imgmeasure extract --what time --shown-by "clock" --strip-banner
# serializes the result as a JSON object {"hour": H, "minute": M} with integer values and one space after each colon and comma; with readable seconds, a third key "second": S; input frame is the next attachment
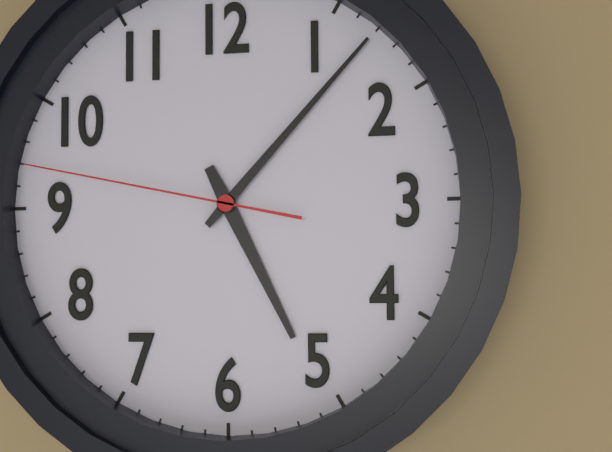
{"hour": 5, "minute": 7, "second": 47}
